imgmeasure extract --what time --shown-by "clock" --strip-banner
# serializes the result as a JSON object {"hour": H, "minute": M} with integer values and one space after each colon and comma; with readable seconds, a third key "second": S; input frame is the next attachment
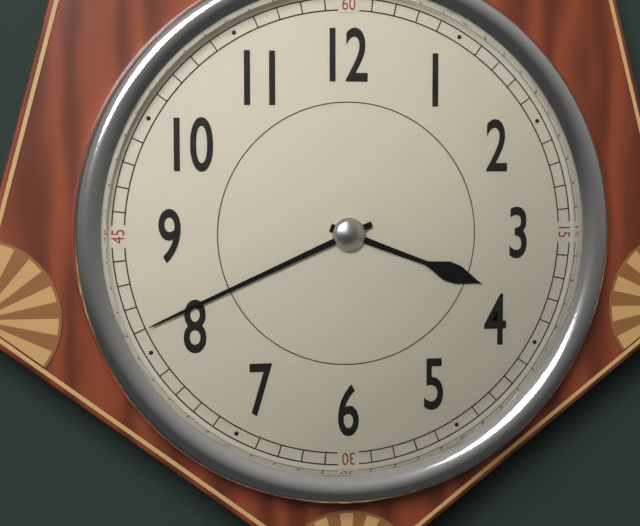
{"hour": 3, "minute": 41}
